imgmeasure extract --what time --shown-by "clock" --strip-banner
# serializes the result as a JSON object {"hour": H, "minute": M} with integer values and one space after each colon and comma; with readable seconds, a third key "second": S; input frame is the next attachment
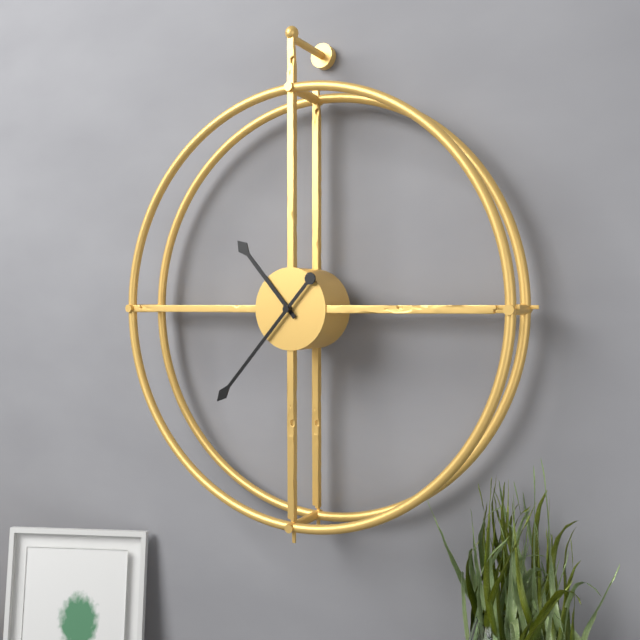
{"hour": 10, "minute": 37}
